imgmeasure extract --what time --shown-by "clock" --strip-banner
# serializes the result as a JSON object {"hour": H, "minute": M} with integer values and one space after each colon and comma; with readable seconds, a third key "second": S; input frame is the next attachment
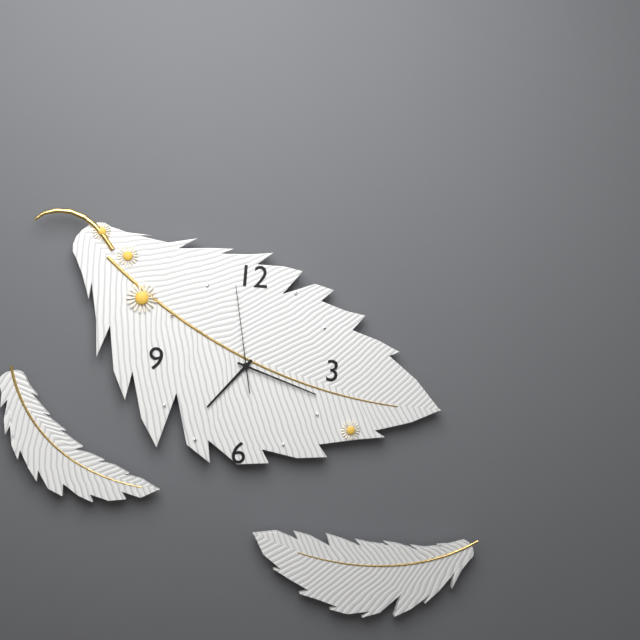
{"hour": 7, "minute": 18, "second": 58}
